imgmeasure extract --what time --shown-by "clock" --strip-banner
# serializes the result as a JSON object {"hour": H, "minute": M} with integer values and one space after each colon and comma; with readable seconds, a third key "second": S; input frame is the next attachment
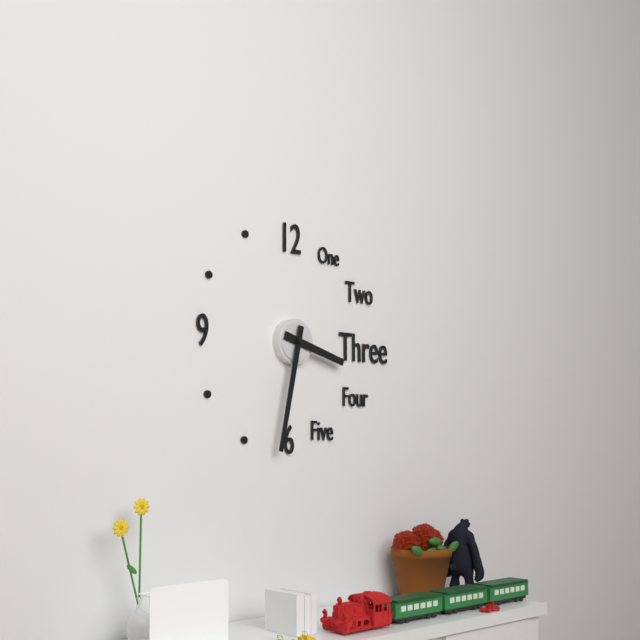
{"hour": 3, "minute": 32}
